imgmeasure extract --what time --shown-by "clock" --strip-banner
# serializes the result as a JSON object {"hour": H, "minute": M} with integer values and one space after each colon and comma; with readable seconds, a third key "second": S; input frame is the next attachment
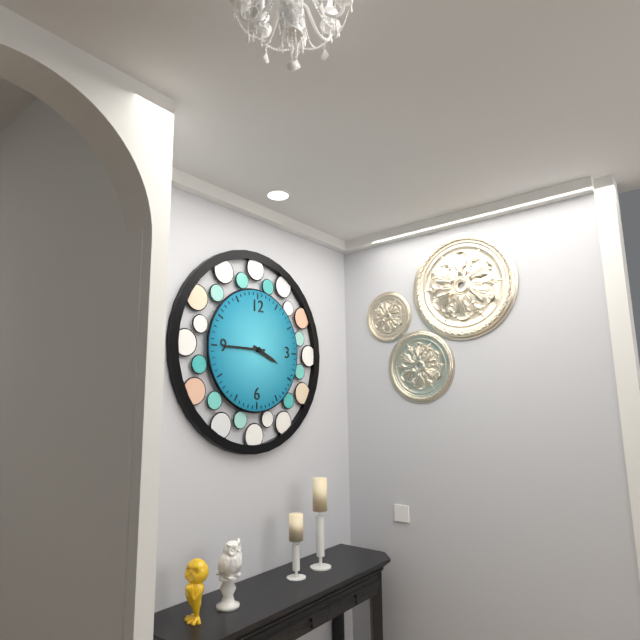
{"hour": 3, "minute": 45}
